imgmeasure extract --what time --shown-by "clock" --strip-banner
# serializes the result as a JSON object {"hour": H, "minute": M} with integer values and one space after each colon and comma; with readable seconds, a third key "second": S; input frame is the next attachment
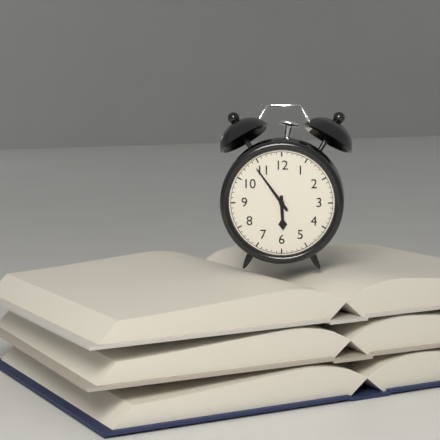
{"hour": 5, "minute": 54}
